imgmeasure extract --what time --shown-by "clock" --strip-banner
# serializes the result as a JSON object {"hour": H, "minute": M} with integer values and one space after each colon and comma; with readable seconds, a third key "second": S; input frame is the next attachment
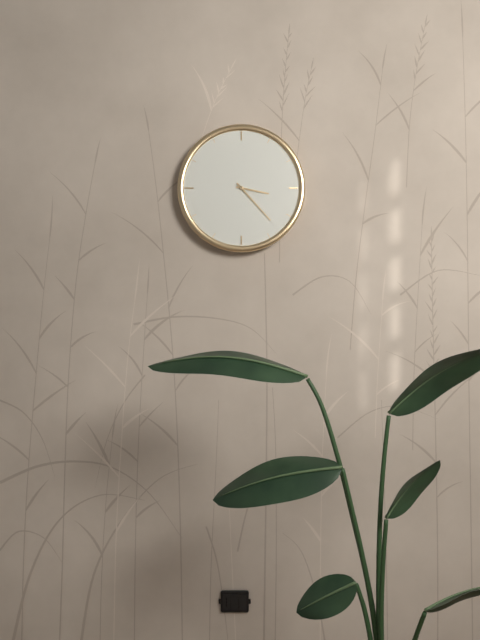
{"hour": 3, "minute": 23}
